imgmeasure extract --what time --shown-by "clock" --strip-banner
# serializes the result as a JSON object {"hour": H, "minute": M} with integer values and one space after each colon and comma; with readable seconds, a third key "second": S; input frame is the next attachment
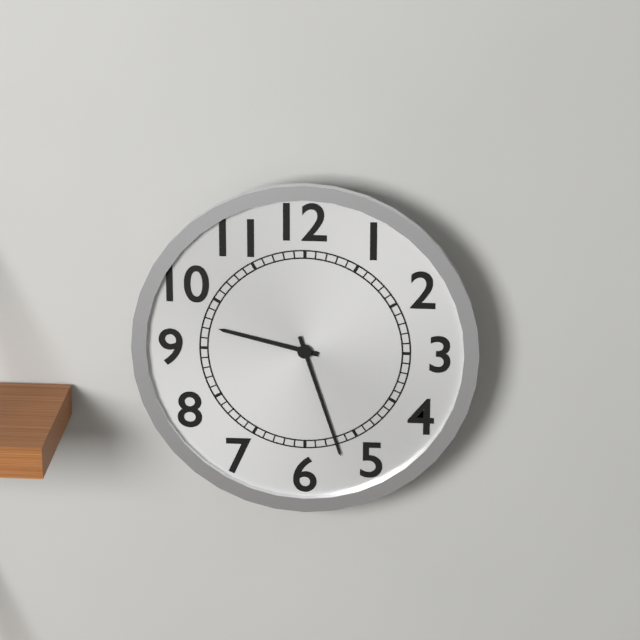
{"hour": 9, "minute": 27}
